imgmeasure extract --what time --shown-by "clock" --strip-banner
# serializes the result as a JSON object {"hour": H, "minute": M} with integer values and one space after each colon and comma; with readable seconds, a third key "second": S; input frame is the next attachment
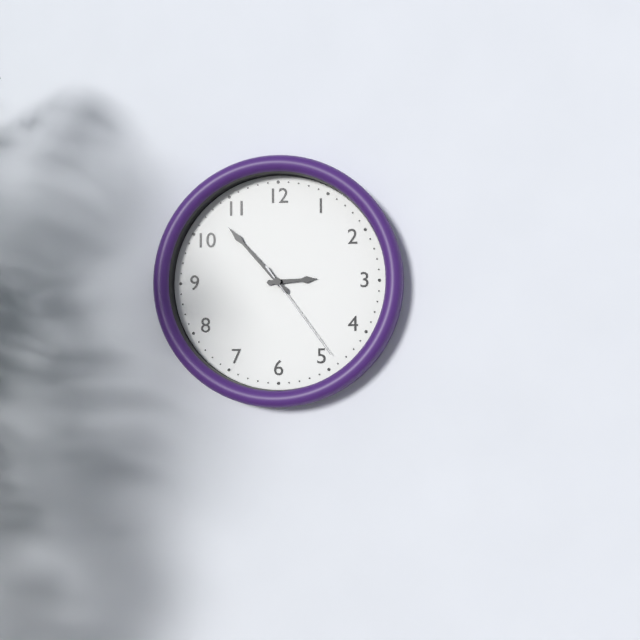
{"hour": 2, "minute": 53, "second": 24}
